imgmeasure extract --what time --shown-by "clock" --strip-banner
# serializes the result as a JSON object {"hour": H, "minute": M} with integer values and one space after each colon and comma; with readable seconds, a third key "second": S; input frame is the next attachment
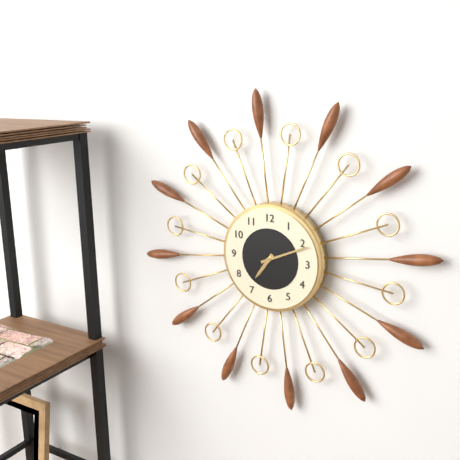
{"hour": 7, "minute": 11}
